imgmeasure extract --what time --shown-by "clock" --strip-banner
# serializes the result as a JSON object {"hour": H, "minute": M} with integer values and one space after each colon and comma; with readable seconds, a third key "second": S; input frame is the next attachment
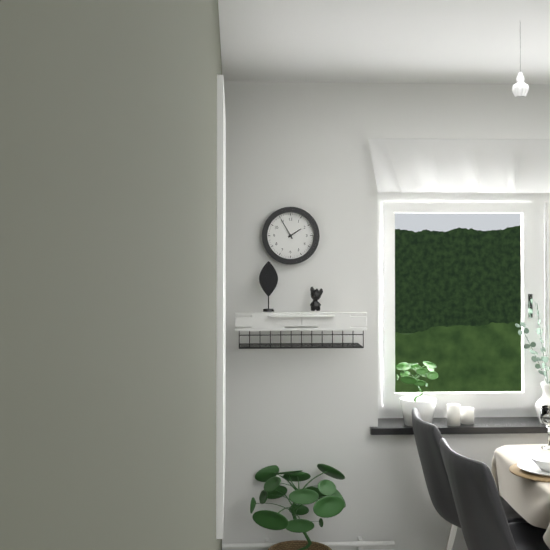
{"hour": 1, "minute": 55}
